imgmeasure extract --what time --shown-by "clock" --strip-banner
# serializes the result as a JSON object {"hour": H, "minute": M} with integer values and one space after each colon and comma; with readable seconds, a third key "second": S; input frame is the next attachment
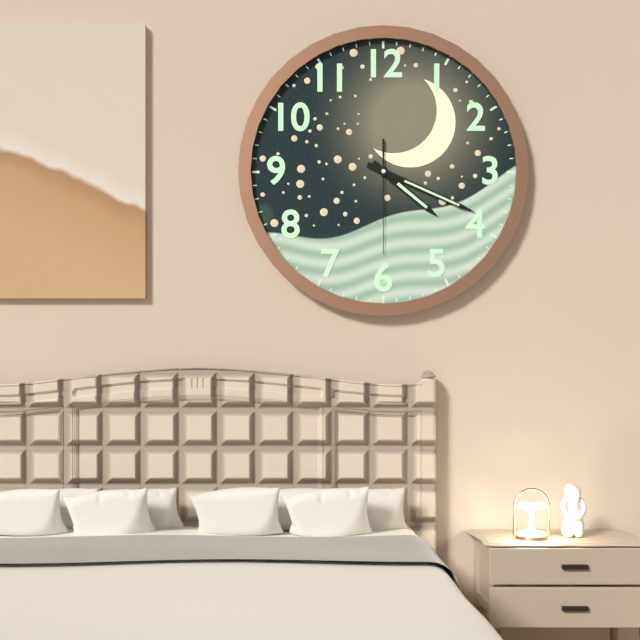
{"hour": 4, "minute": 19, "second": 30}
